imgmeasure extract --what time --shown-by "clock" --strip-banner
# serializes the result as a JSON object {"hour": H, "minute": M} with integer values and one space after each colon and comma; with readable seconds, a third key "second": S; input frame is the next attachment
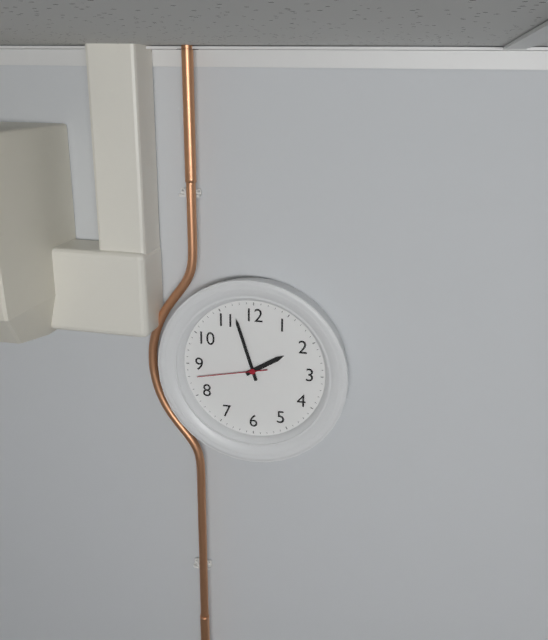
{"hour": 1, "minute": 57, "second": 43}
